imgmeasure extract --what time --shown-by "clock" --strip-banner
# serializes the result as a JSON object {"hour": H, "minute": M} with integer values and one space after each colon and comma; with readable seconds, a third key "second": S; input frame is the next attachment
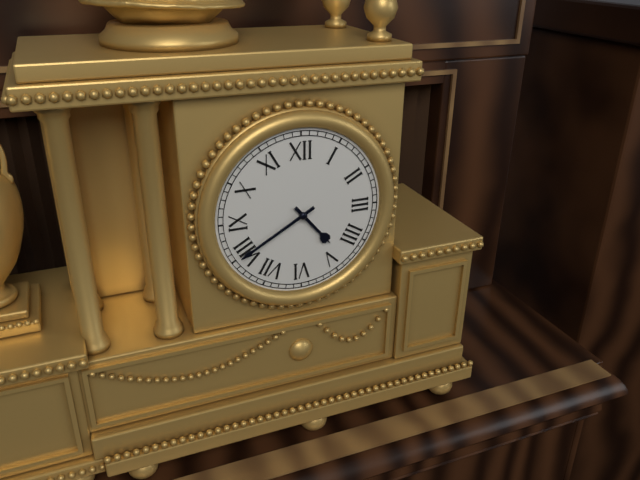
{"hour": 4, "minute": 40}
